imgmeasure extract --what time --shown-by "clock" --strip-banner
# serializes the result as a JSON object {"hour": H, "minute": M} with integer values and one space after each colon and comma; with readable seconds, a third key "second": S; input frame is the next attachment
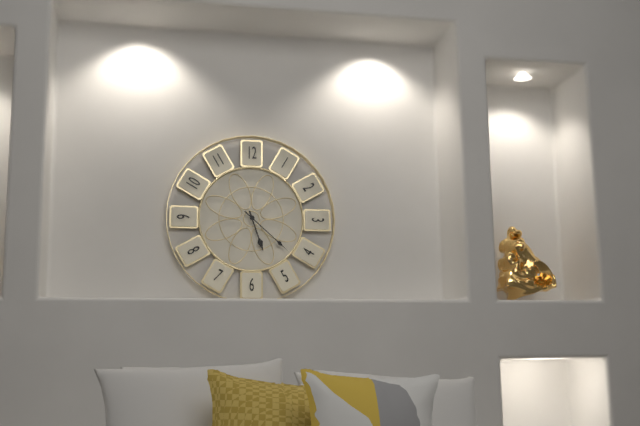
{"hour": 5, "minute": 22}
